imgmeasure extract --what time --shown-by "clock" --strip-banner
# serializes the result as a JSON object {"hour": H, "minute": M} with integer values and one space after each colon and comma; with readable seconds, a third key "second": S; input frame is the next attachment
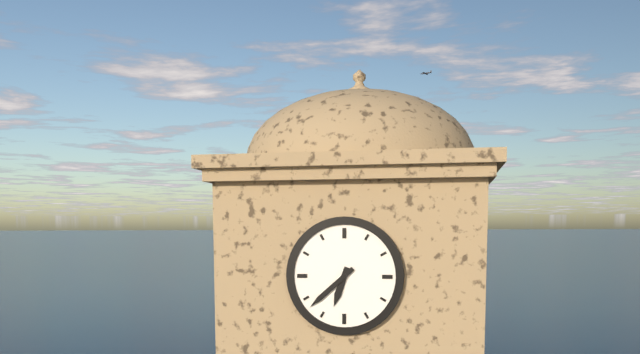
{"hour": 6, "minute": 38}
